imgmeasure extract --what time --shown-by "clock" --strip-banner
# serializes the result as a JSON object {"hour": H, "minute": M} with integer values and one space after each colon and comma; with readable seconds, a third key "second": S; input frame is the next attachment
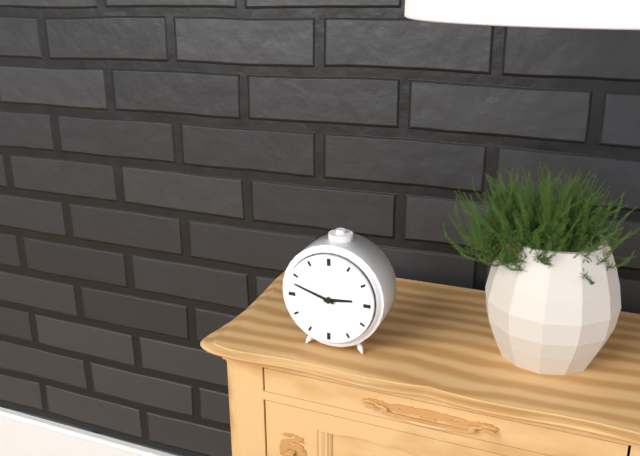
{"hour": 2, "minute": 48}
